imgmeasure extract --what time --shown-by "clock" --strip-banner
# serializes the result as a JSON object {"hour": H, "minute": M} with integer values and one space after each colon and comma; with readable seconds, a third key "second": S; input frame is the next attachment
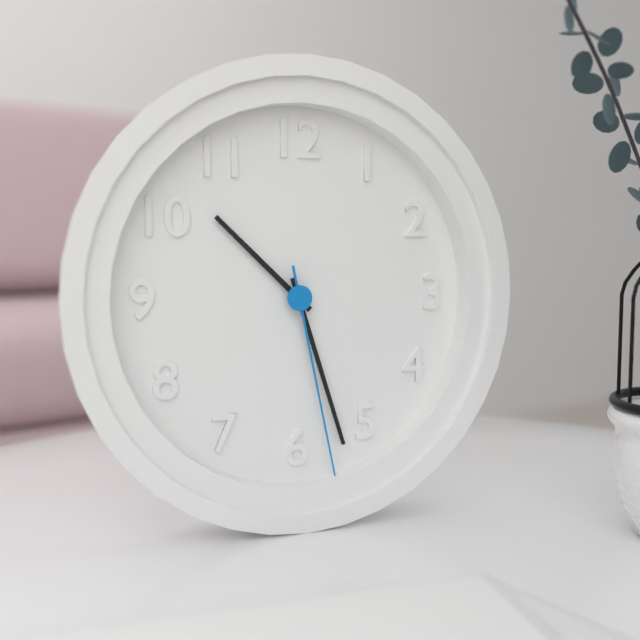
{"hour": 10, "minute": 27, "second": 28}
